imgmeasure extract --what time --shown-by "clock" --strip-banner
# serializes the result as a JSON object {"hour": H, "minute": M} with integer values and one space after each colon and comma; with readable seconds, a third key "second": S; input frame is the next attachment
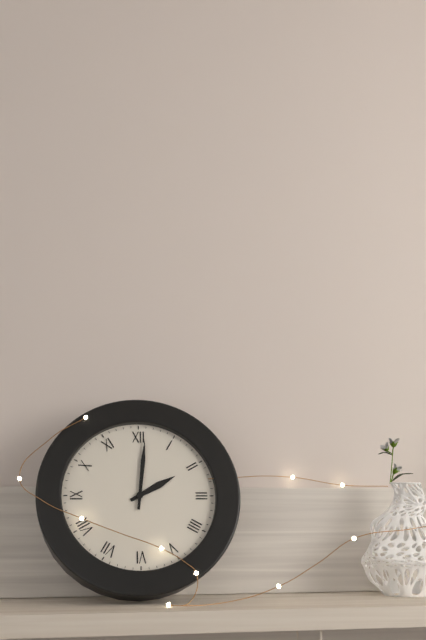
{"hour": 2, "minute": 1}
